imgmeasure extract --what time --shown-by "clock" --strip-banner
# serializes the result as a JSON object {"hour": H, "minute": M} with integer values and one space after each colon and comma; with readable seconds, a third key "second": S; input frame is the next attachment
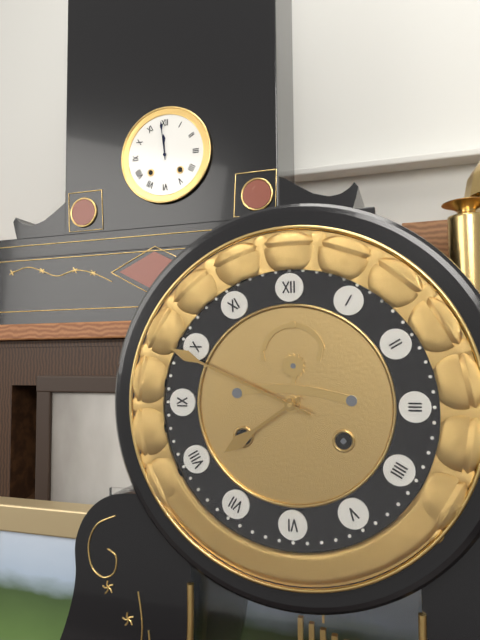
{"hour": 7, "minute": 49}
